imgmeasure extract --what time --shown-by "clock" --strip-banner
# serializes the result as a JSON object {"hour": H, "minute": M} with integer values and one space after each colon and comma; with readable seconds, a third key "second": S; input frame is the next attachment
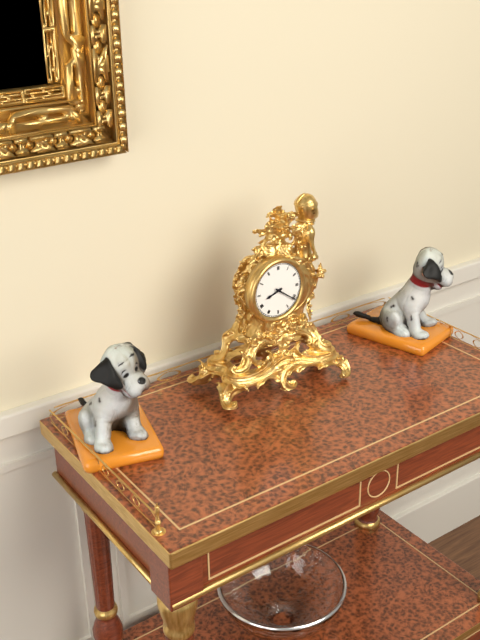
{"hour": 8, "minute": 21}
